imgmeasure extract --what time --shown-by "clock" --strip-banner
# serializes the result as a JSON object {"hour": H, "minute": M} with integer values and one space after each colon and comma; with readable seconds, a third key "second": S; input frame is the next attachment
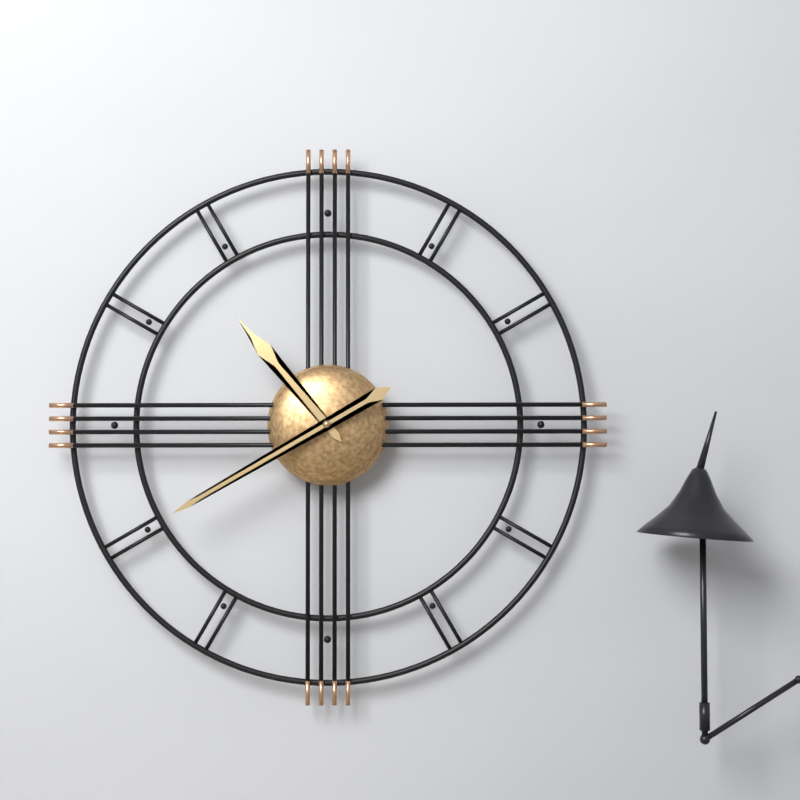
{"hour": 10, "minute": 40}
